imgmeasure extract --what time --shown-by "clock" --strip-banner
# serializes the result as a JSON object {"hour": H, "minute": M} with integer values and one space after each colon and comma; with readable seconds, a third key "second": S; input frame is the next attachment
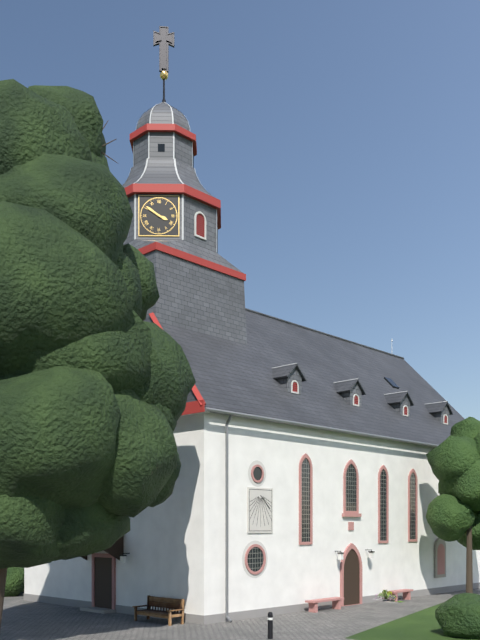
{"hour": 3, "minute": 51}
